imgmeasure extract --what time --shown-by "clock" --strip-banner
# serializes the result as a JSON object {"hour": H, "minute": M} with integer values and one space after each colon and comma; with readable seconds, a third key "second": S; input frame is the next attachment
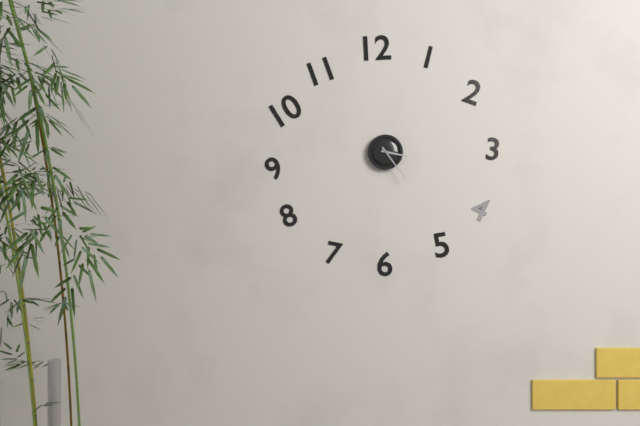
{"hour": 3, "minute": 24}
